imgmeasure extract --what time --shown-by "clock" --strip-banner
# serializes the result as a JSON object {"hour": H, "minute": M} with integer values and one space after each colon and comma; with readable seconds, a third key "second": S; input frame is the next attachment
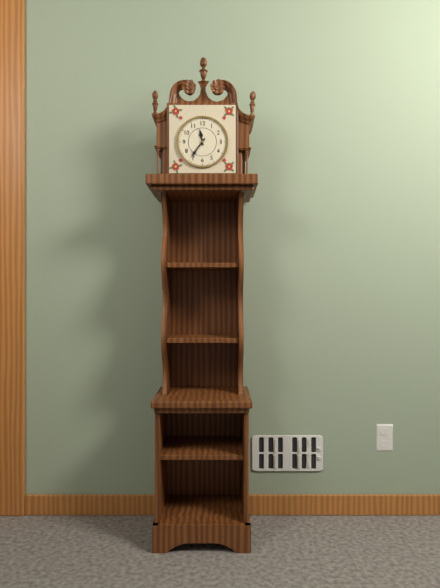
{"hour": 11, "minute": 36}
